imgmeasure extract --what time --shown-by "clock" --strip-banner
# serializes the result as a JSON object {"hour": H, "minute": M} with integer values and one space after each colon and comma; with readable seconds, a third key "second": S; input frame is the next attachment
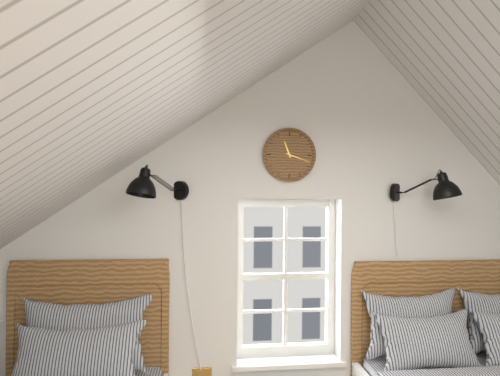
{"hour": 11, "minute": 18}
